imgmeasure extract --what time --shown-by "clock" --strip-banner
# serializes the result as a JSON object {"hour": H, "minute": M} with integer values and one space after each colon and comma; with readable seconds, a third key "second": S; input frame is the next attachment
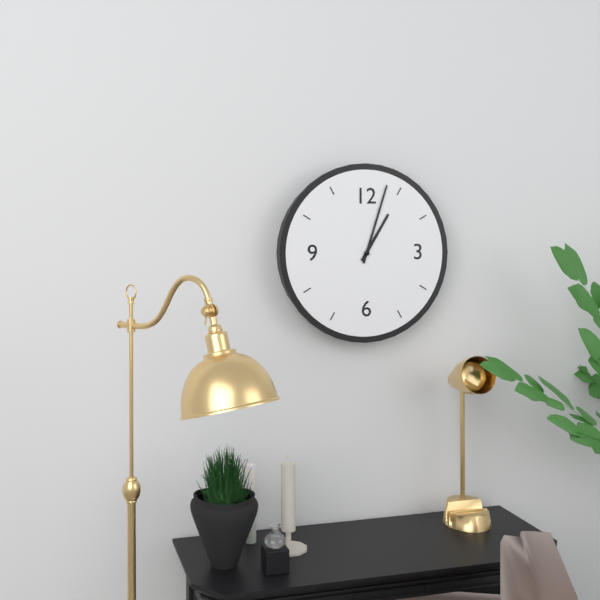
{"hour": 1, "minute": 3}
